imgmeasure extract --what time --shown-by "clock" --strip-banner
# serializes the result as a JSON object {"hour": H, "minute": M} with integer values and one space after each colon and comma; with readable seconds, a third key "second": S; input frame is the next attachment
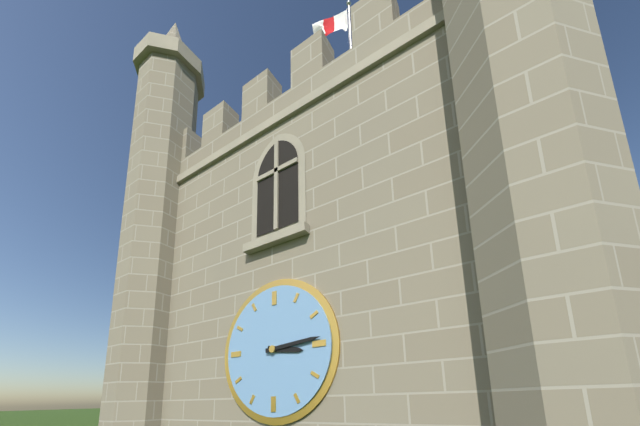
{"hour": 3, "minute": 14}
